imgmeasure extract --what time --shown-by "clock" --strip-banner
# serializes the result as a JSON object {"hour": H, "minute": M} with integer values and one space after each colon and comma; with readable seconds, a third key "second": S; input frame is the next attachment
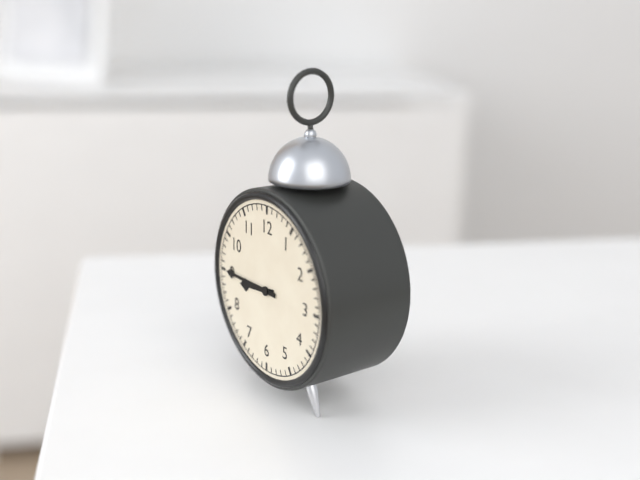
{"hour": 8, "minute": 45}
